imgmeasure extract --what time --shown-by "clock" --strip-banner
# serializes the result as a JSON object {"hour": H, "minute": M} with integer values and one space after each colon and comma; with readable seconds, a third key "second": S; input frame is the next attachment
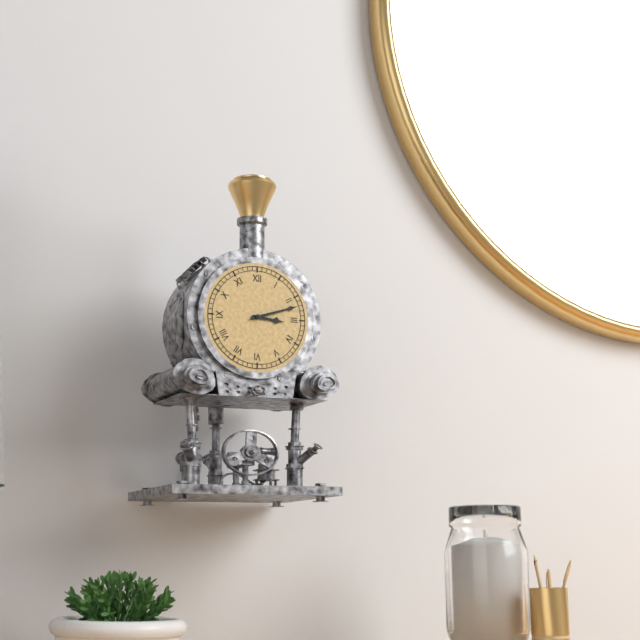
{"hour": 3, "minute": 12}
